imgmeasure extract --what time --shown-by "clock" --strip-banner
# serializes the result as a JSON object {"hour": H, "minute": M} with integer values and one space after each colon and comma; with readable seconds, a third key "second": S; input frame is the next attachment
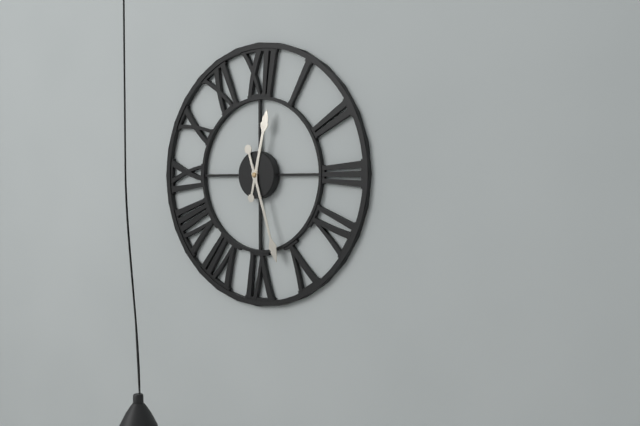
{"hour": 12, "minute": 27}
